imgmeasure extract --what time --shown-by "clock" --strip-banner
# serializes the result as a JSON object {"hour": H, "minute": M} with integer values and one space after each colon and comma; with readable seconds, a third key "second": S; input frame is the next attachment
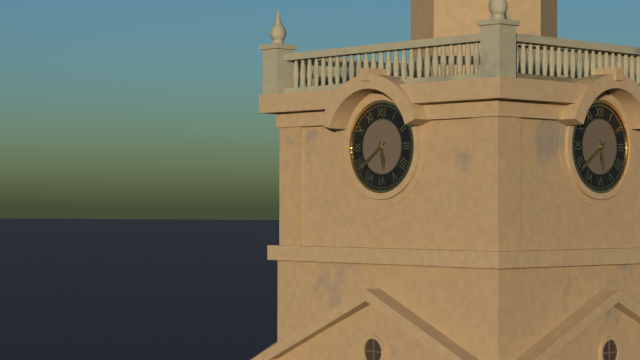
{"hour": 5, "minute": 39}
